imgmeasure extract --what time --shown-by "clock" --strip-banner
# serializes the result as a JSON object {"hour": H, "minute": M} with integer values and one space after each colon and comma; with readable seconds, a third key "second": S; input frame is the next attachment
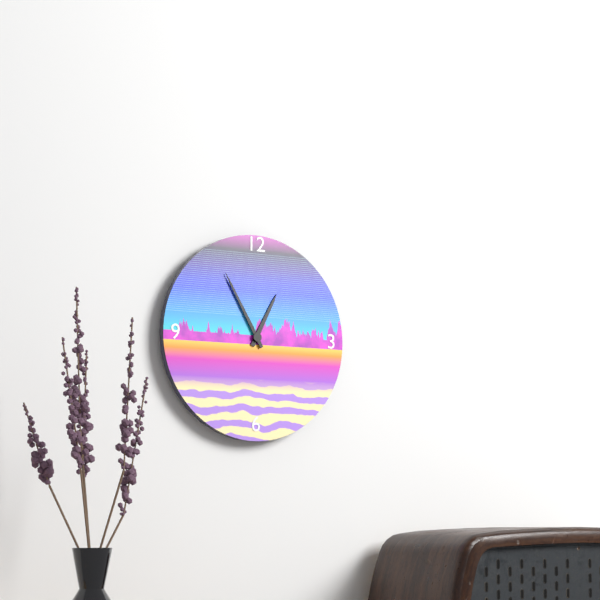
{"hour": 12, "minute": 55}
